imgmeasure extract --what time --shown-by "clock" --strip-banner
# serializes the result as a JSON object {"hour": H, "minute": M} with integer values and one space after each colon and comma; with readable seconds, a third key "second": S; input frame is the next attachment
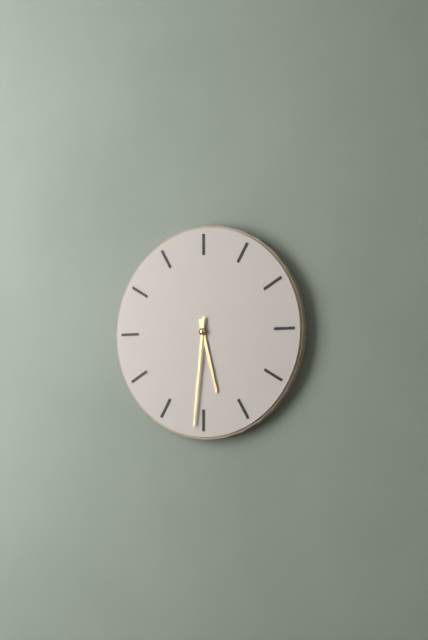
{"hour": 5, "minute": 31}
